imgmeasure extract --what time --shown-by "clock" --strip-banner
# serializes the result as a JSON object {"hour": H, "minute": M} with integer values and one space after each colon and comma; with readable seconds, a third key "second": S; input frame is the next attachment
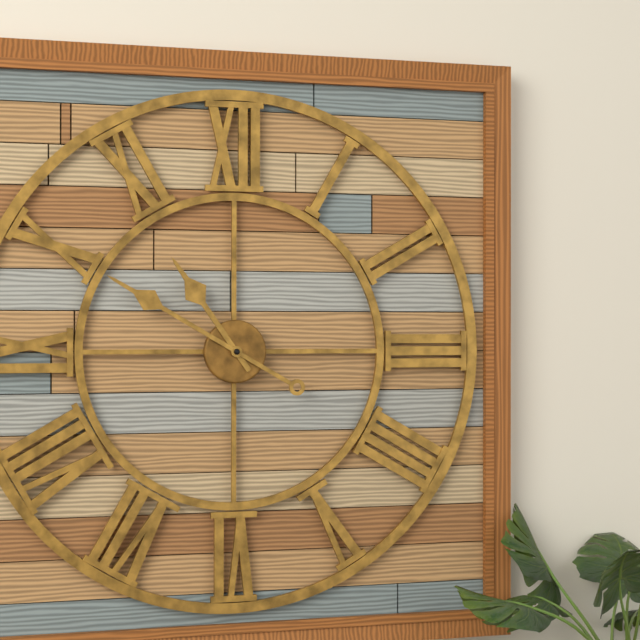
{"hour": 10, "minute": 50}
